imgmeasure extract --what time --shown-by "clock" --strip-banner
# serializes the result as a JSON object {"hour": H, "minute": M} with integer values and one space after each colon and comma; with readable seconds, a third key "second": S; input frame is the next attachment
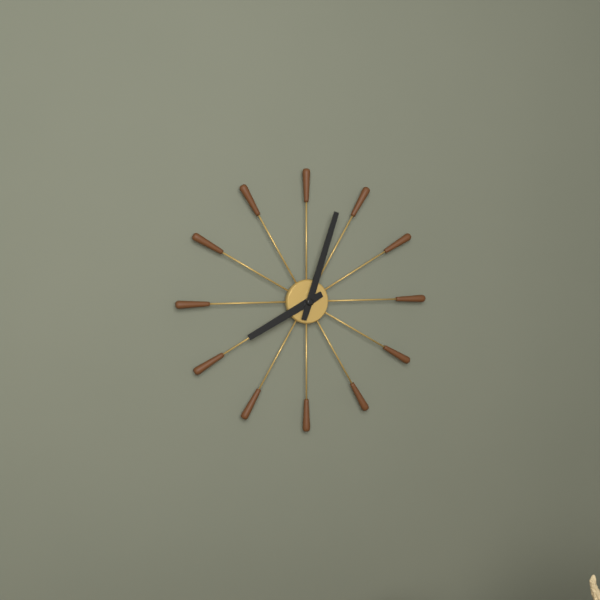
{"hour": 8, "minute": 3}
